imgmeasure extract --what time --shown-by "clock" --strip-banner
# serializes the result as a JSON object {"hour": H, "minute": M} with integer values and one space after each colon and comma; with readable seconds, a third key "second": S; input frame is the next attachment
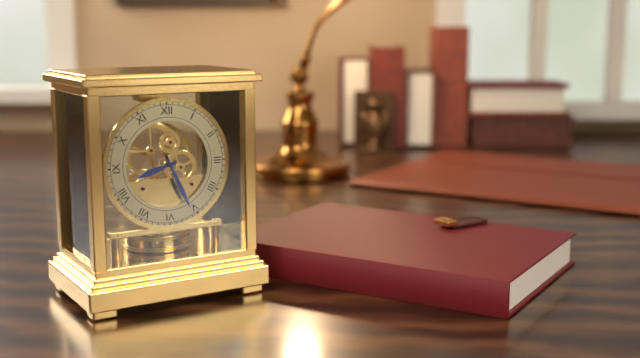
{"hour": 8, "minute": 26}
